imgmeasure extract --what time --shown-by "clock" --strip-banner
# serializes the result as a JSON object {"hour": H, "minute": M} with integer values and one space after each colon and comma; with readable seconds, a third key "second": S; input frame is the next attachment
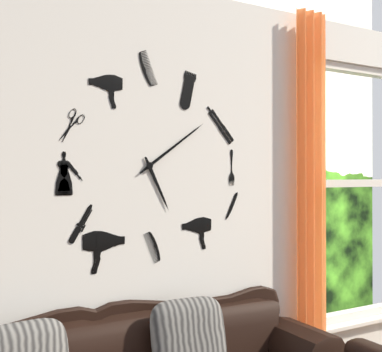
{"hour": 5, "minute": 9}
